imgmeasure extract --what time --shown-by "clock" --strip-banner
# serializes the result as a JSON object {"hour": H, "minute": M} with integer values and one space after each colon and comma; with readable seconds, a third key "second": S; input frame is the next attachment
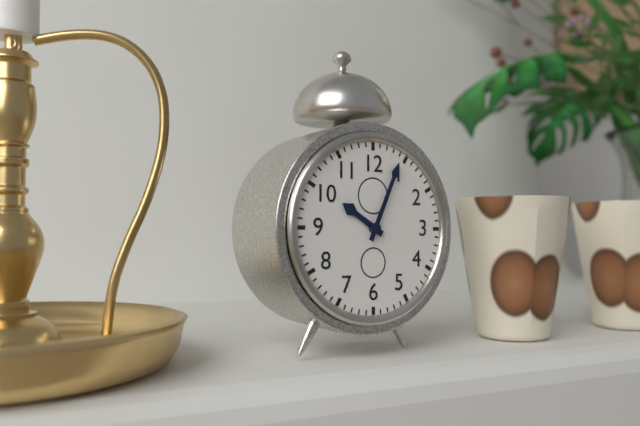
{"hour": 10, "minute": 4}
